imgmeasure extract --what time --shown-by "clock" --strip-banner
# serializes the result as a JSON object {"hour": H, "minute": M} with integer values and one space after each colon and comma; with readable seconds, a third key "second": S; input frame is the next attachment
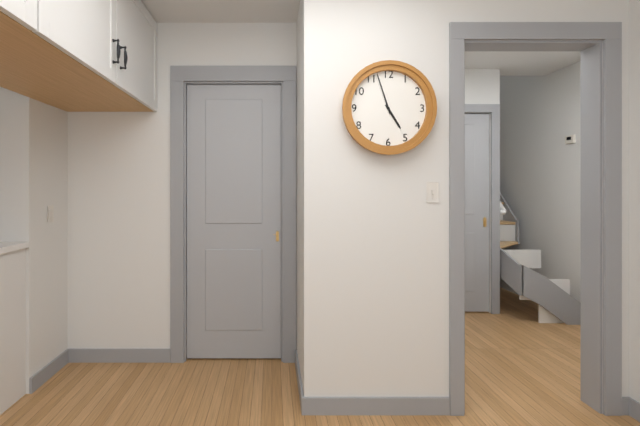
{"hour": 4, "minute": 57}
